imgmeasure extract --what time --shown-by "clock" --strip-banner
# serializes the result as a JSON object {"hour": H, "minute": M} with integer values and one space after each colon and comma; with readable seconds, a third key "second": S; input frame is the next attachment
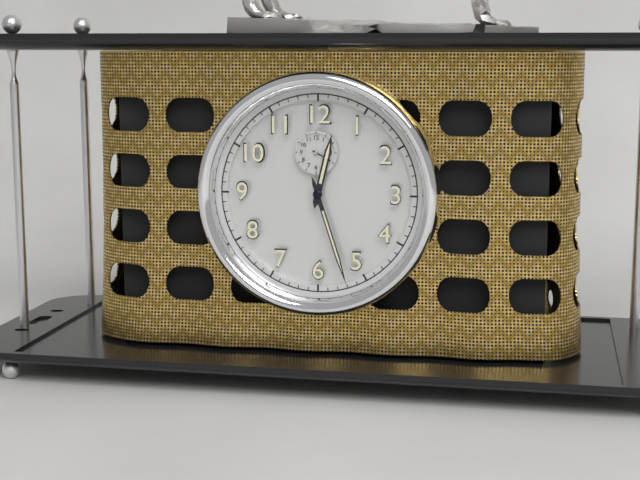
{"hour": 12, "minute": 27}
